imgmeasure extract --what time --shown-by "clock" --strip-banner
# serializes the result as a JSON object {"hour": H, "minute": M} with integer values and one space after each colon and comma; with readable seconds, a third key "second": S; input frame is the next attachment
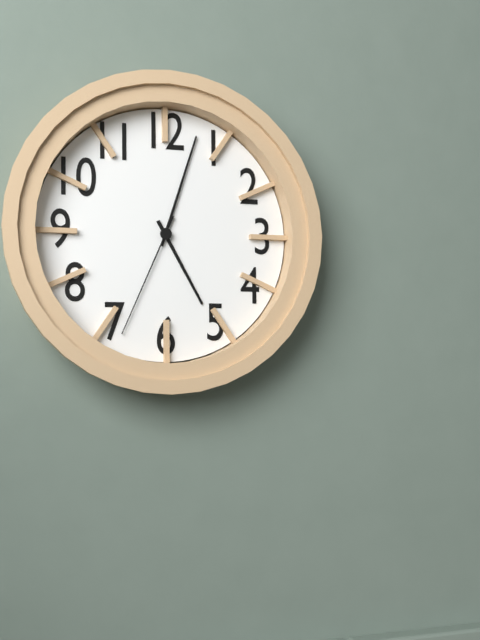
{"hour": 5, "minute": 3, "second": 34}
